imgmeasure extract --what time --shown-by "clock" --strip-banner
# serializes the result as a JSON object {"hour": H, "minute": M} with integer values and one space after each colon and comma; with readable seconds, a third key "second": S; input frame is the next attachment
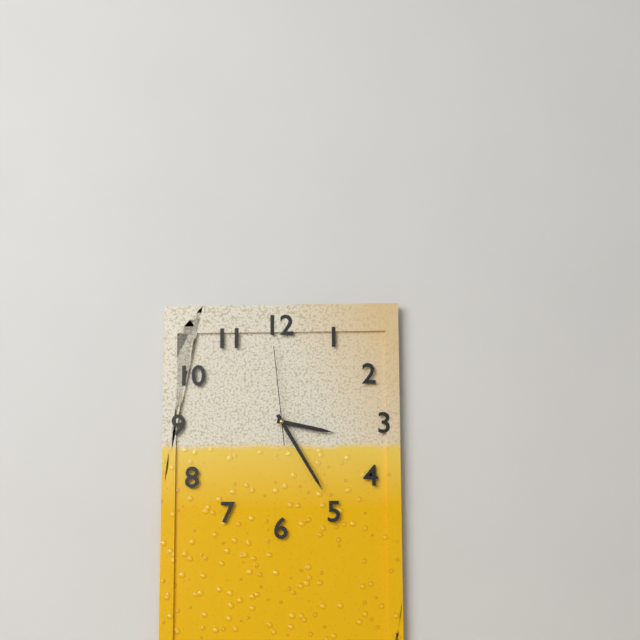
{"hour": 3, "minute": 25, "second": 59}
